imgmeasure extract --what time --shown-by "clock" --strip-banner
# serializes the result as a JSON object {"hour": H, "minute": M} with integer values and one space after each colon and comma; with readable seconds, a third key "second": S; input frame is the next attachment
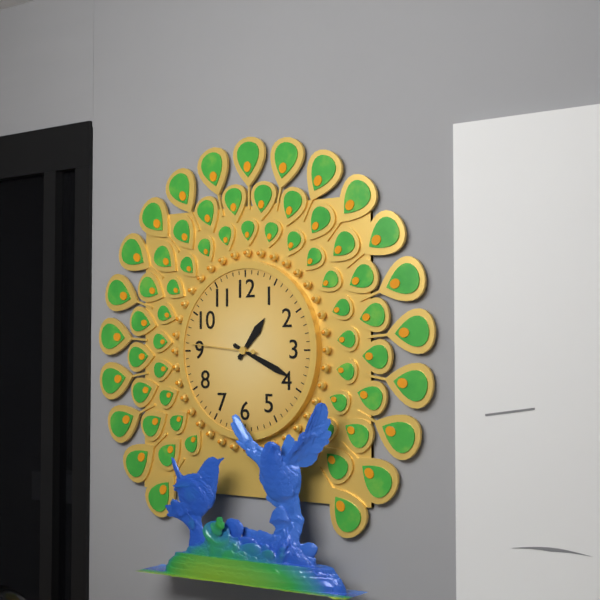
{"hour": 1, "minute": 19, "second": 46}
